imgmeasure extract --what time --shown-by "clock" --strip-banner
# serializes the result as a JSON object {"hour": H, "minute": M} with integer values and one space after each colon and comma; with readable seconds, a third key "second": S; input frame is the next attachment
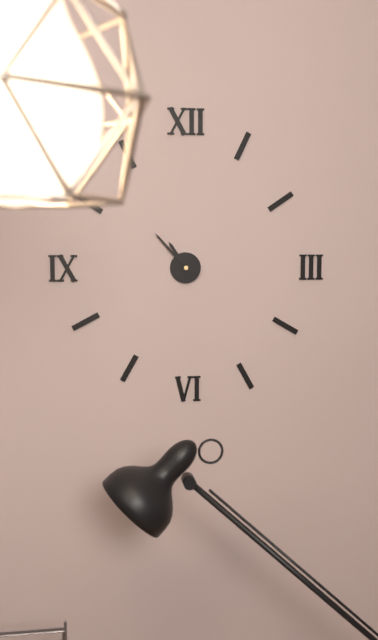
{"hour": 10, "minute": 53}
